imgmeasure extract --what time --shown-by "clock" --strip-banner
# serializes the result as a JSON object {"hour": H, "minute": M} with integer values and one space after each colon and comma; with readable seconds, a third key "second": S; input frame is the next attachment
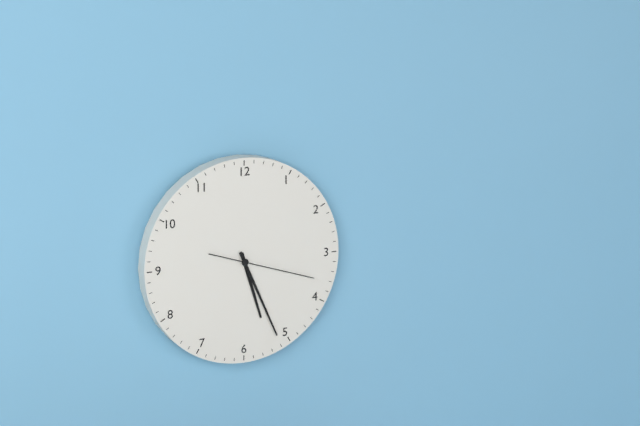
{"hour": 5, "minute": 26, "second": 18}
